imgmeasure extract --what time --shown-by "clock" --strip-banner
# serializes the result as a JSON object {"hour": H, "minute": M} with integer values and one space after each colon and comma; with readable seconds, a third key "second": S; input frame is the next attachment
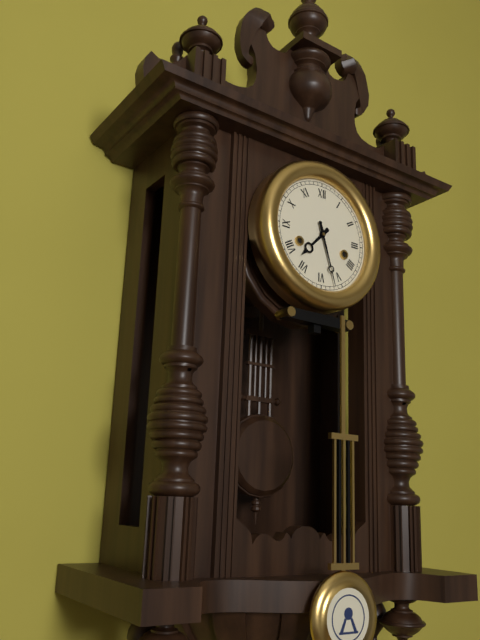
{"hour": 7, "minute": 27}
